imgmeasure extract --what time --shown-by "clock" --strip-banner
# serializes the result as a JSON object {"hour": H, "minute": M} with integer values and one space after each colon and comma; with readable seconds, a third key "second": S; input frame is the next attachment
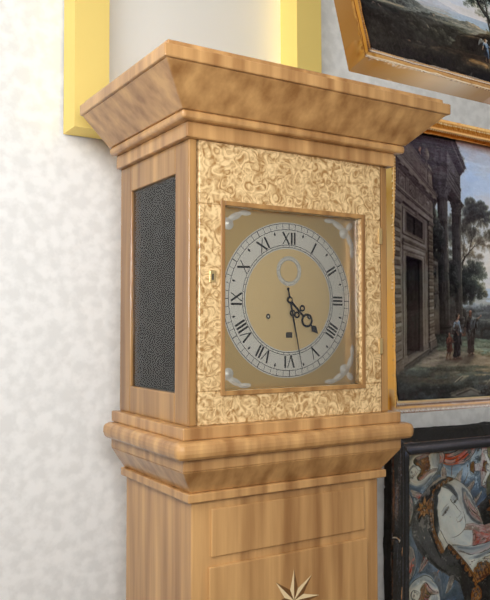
{"hour": 4, "minute": 28}
